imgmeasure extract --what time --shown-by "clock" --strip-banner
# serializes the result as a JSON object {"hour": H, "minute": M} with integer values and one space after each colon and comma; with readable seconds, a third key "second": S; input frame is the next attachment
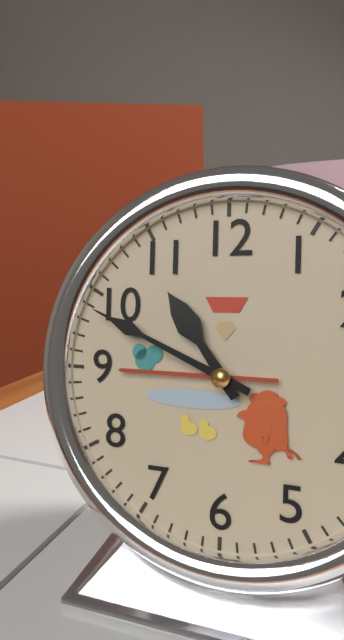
{"hour": 10, "minute": 49}
